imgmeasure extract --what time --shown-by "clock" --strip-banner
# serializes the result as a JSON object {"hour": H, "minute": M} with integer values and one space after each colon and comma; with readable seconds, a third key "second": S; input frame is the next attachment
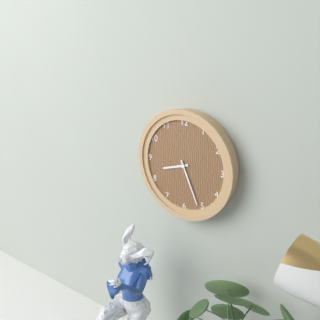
{"hour": 8, "minute": 26}
